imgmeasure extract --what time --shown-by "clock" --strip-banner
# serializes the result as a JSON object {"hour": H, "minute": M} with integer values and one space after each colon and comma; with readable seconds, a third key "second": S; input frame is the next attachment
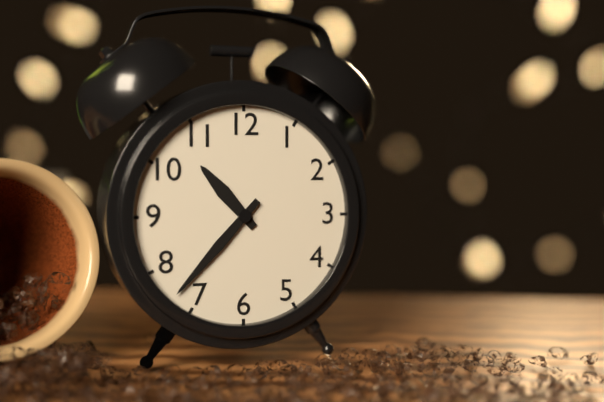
{"hour": 10, "minute": 37}
